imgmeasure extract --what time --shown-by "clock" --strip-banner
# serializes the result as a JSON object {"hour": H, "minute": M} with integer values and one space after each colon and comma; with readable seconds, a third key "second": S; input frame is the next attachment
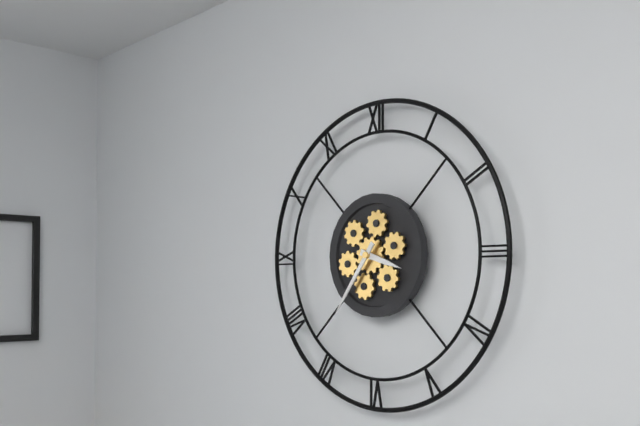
{"hour": 3, "minute": 36}
